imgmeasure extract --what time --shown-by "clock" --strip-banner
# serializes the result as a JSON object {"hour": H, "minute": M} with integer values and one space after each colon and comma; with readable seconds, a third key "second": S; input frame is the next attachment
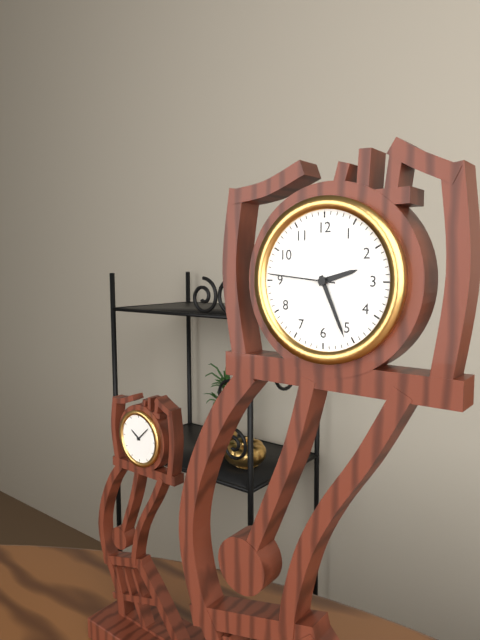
{"hour": 2, "minute": 26, "second": 46}
